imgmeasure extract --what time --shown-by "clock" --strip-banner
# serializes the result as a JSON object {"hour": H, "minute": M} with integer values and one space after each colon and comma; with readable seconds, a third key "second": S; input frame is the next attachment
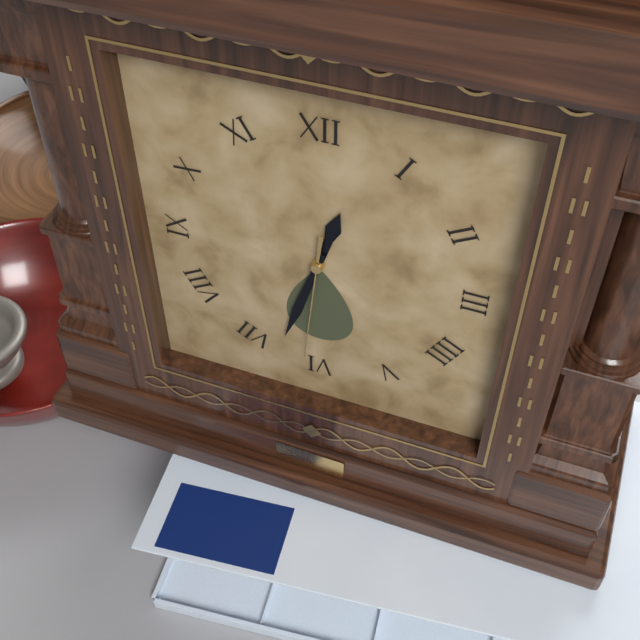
{"hour": 12, "minute": 33, "second": 31}
